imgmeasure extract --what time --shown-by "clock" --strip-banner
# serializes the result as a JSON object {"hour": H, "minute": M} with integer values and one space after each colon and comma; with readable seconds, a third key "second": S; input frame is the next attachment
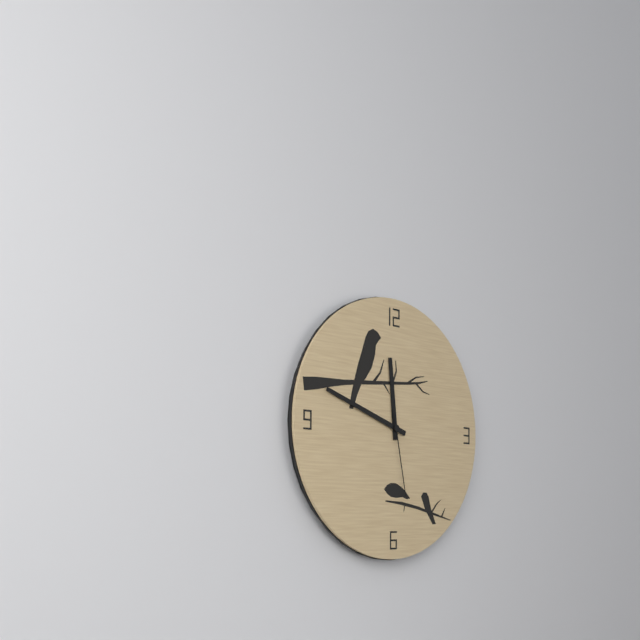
{"hour": 11, "minute": 48, "second": 28}
